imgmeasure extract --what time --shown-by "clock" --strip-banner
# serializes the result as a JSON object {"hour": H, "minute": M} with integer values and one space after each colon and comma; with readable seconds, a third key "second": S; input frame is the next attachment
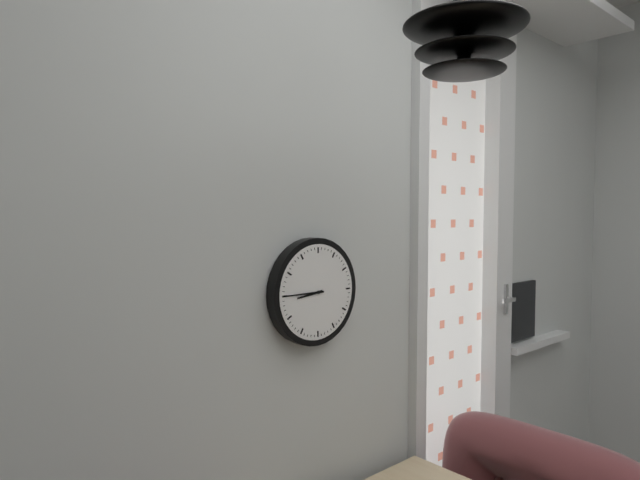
{"hour": 8, "minute": 45}
